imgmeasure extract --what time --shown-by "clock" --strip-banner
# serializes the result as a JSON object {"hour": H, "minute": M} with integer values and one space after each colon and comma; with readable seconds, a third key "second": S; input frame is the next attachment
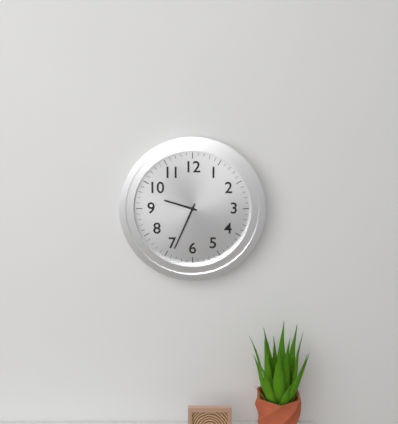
{"hour": 9, "minute": 34}
